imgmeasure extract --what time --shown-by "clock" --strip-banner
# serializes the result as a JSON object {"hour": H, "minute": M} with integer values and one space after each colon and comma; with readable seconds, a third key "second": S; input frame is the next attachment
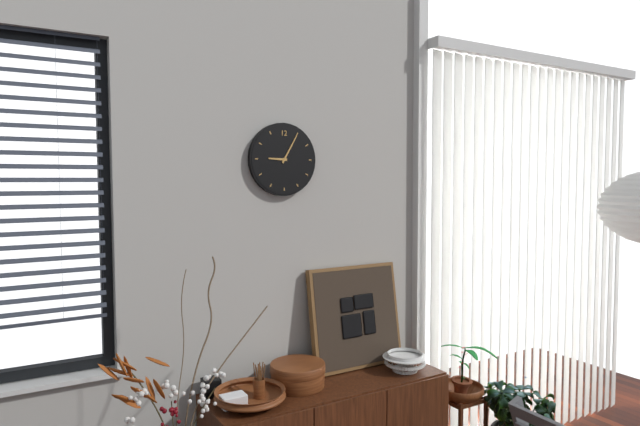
{"hour": 9, "minute": 5}
